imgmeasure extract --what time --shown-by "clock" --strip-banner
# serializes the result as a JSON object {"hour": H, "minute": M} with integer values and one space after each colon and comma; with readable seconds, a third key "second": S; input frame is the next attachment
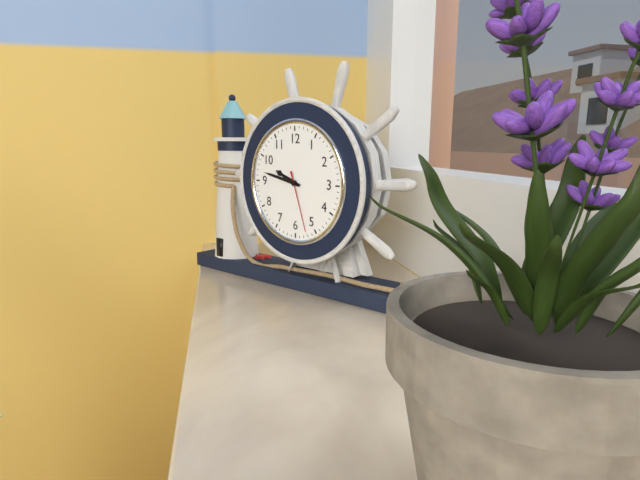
{"hour": 9, "minute": 47, "second": 27}
